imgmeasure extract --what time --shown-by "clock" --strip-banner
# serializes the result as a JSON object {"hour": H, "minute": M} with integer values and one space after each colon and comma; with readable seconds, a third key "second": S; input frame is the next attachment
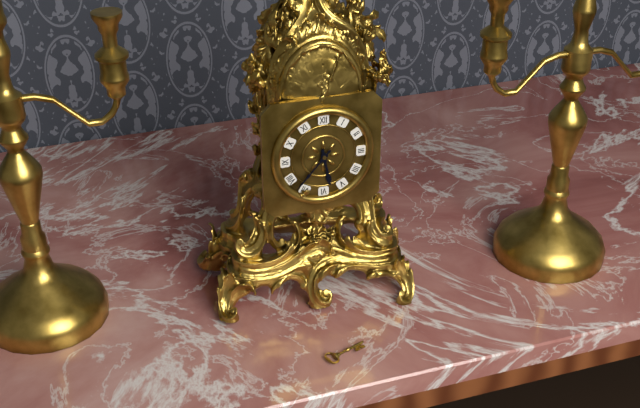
{"hour": 5, "minute": 37}
